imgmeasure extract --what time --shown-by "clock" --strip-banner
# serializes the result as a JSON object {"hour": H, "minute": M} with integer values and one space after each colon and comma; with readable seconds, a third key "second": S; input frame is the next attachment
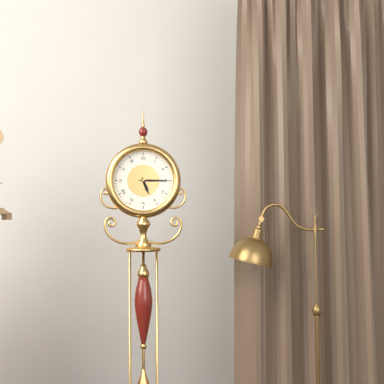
{"hour": 5, "minute": 15}
